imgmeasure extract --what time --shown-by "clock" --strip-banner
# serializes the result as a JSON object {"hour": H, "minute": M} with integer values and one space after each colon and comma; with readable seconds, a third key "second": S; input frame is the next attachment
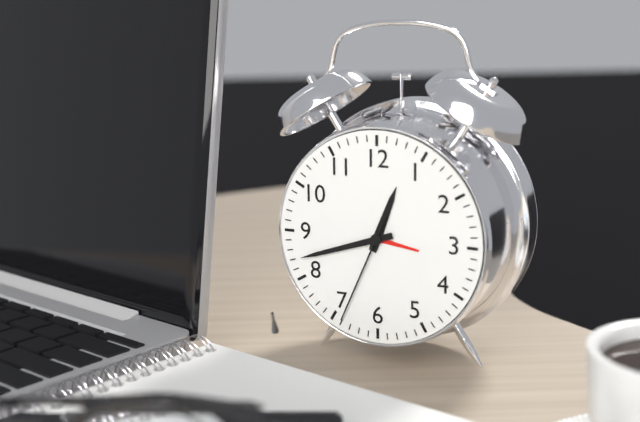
{"hour": 12, "minute": 42, "second": 34}
